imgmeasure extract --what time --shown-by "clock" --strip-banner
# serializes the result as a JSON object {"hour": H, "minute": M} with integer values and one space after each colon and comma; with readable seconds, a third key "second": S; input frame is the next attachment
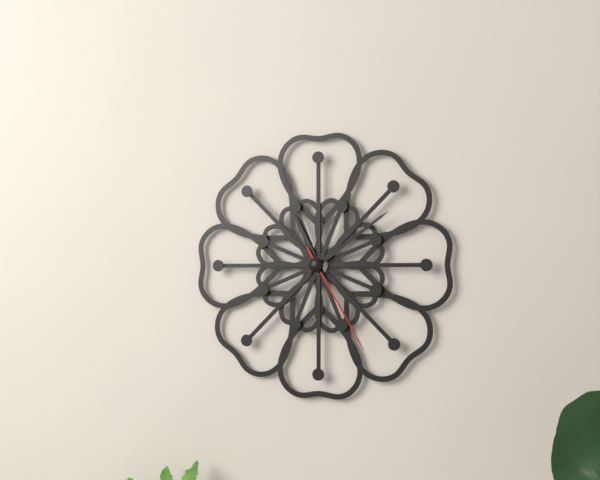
{"hour": 11, "minute": 9, "second": 25}
